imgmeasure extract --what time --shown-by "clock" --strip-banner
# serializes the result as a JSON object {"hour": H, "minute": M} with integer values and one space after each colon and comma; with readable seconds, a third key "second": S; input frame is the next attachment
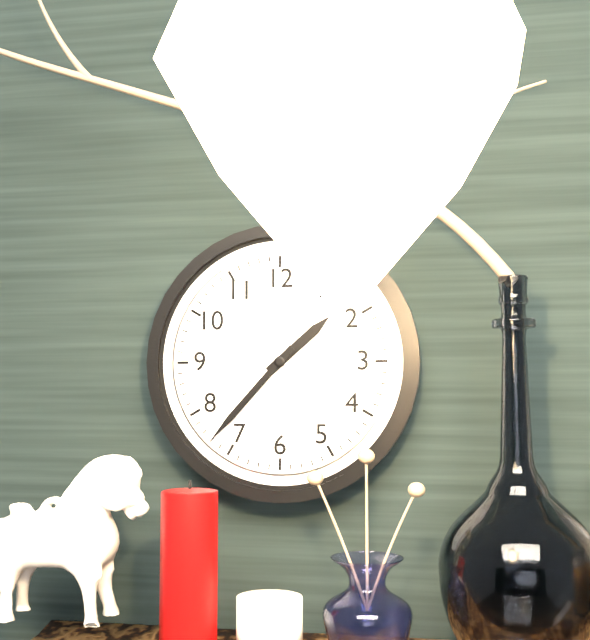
{"hour": 1, "minute": 37}
